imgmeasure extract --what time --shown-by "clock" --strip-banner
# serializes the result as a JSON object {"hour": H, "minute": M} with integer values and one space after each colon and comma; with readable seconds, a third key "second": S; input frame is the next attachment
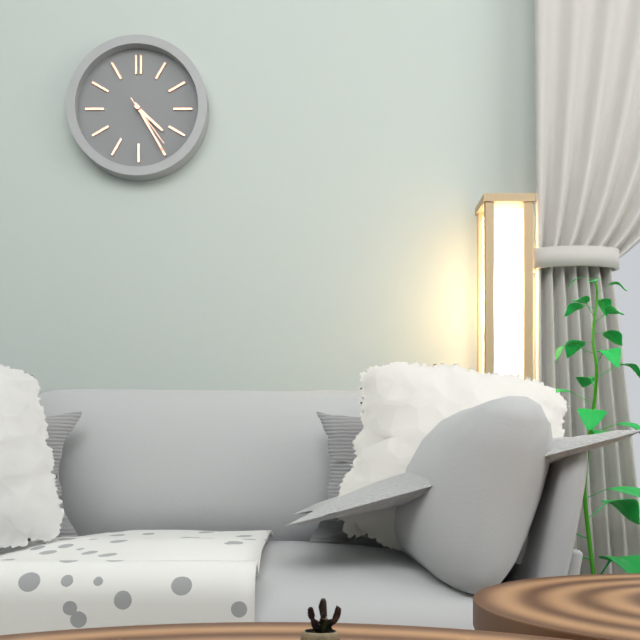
{"hour": 4, "minute": 25}
